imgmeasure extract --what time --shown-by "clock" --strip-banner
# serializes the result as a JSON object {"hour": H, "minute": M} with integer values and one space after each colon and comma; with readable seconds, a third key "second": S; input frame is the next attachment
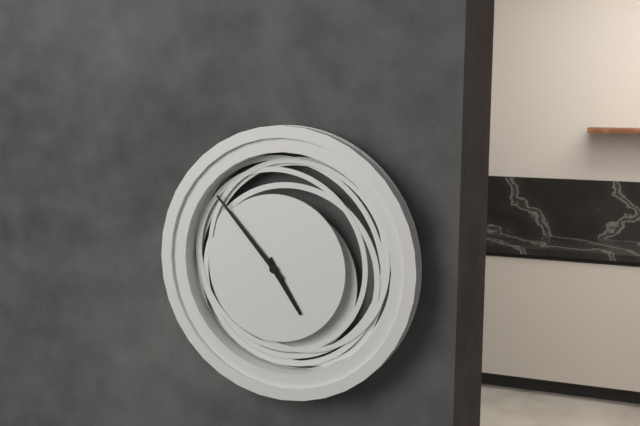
{"hour": 4, "minute": 53}
